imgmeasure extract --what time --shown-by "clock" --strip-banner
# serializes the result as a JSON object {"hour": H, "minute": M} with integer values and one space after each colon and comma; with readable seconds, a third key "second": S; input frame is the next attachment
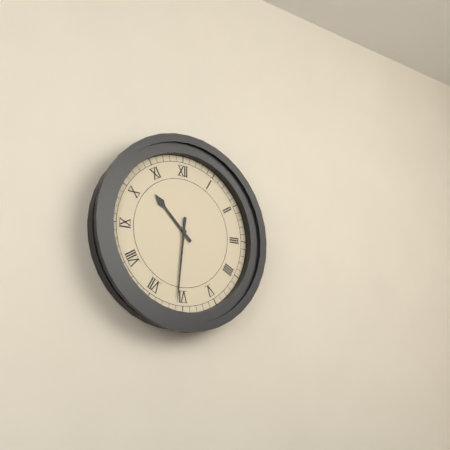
{"hour": 10, "minute": 31}
